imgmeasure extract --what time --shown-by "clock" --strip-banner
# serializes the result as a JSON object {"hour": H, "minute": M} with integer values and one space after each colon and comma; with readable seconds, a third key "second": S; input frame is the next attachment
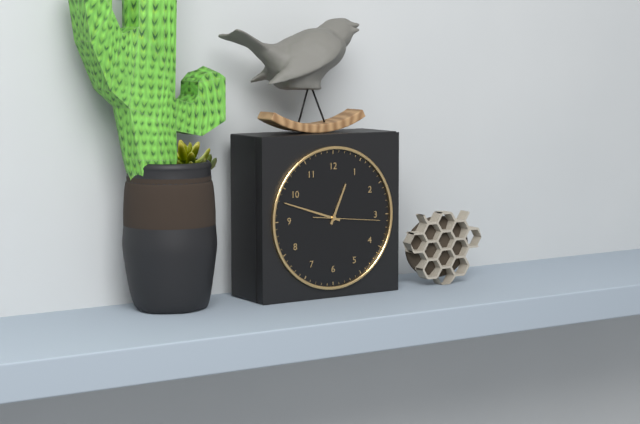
{"hour": 12, "minute": 48, "second": 16}
